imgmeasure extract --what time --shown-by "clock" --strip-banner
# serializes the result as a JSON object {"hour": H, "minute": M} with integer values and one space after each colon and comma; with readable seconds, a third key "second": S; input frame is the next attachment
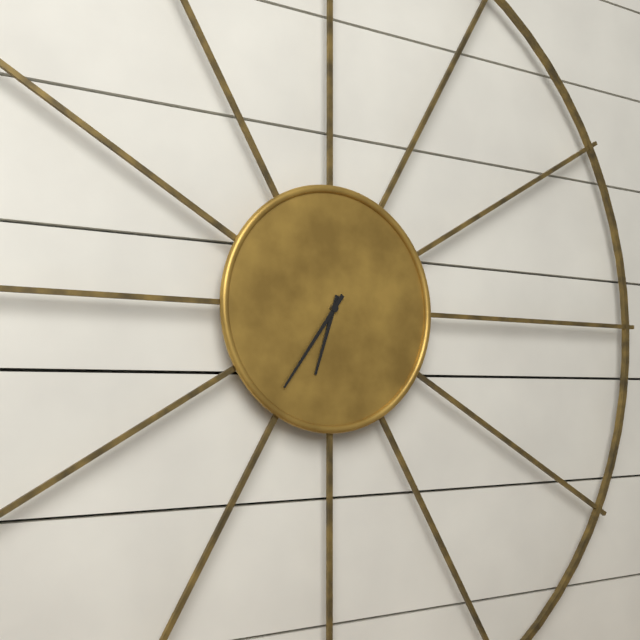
{"hour": 6, "minute": 36}
